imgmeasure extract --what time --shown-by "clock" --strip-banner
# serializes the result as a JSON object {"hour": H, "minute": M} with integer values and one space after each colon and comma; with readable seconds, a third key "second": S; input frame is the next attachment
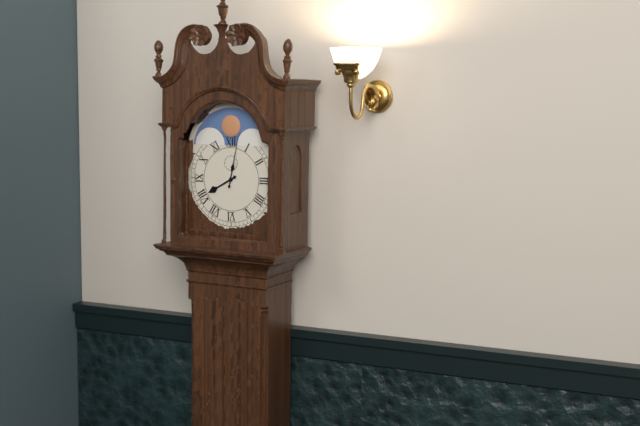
{"hour": 8, "minute": 2}
